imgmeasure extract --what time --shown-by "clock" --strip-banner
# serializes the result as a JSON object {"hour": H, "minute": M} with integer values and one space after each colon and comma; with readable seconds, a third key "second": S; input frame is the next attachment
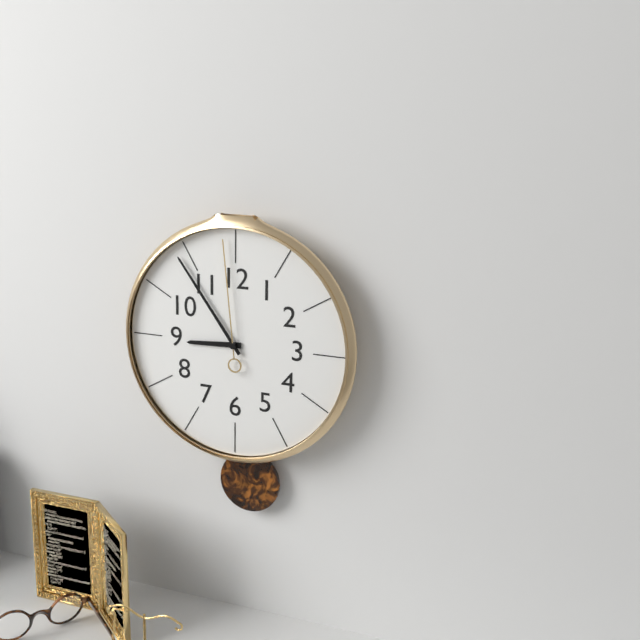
{"hour": 8, "minute": 54, "second": 59}
